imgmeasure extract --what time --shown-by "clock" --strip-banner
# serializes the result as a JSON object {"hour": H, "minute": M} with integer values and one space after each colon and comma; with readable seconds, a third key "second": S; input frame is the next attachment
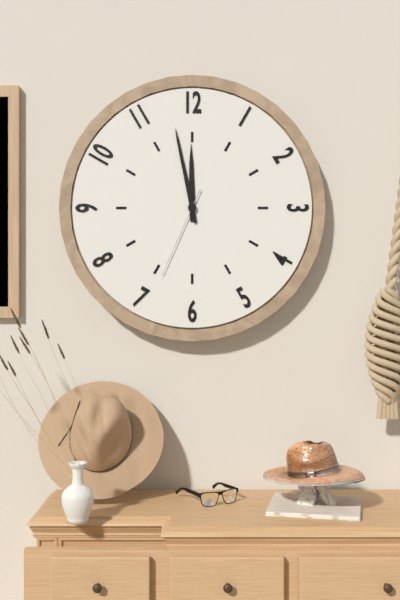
{"hour": 11, "minute": 58, "second": 34}
